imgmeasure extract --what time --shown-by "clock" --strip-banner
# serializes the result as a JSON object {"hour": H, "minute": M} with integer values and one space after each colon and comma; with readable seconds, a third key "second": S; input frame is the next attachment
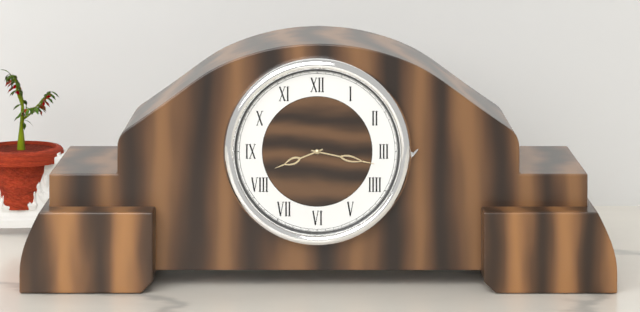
{"hour": 8, "minute": 17}
